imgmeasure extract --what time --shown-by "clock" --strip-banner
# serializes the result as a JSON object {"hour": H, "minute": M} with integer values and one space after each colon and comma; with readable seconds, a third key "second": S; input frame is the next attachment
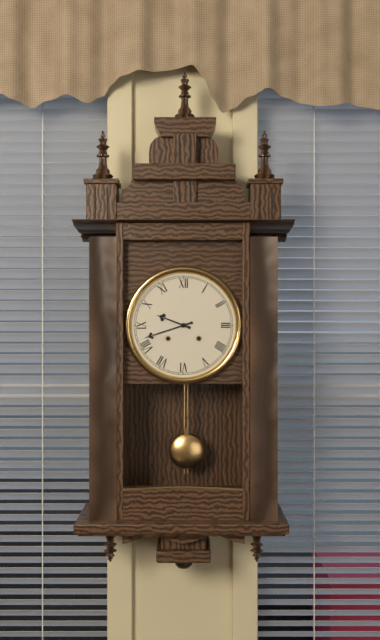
{"hour": 9, "minute": 42}
